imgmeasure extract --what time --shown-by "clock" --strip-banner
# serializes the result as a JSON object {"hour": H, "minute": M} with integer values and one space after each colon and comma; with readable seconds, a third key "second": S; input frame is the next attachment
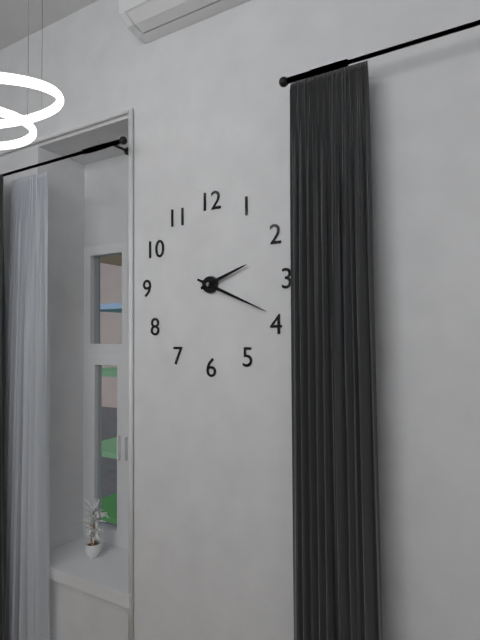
{"hour": 2, "minute": 19}
